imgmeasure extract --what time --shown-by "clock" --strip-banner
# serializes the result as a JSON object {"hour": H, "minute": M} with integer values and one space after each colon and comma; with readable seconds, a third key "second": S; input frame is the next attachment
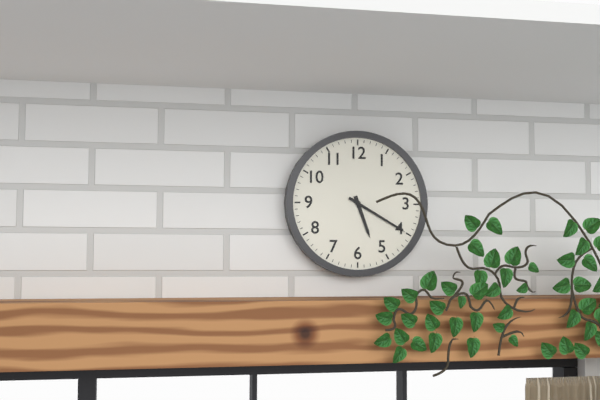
{"hour": 5, "minute": 20}
